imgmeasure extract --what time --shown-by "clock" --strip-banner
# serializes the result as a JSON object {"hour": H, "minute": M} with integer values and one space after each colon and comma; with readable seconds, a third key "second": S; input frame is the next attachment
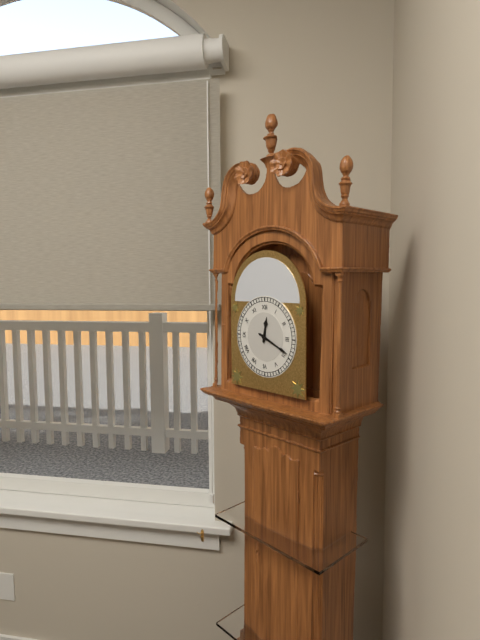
{"hour": 12, "minute": 19}
